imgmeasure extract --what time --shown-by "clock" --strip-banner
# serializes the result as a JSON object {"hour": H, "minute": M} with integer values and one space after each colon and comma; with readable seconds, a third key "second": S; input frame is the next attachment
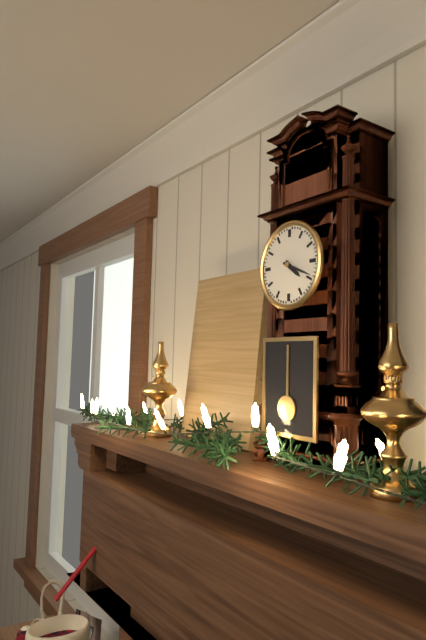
{"hour": 4, "minute": 19}
